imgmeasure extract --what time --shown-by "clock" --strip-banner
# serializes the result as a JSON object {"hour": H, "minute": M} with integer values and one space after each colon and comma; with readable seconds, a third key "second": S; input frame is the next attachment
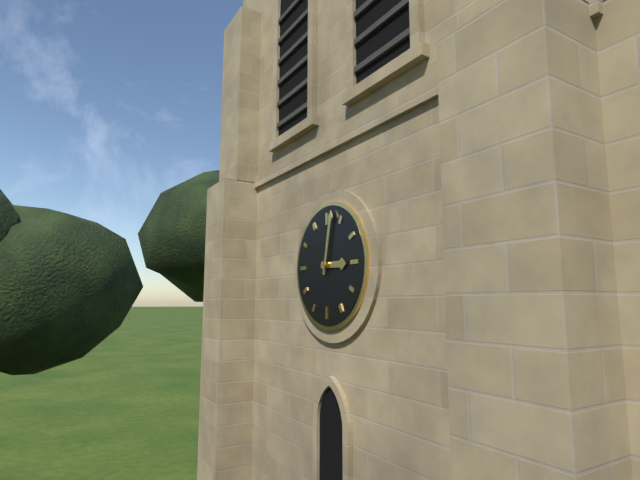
{"hour": 3, "minute": 2}
